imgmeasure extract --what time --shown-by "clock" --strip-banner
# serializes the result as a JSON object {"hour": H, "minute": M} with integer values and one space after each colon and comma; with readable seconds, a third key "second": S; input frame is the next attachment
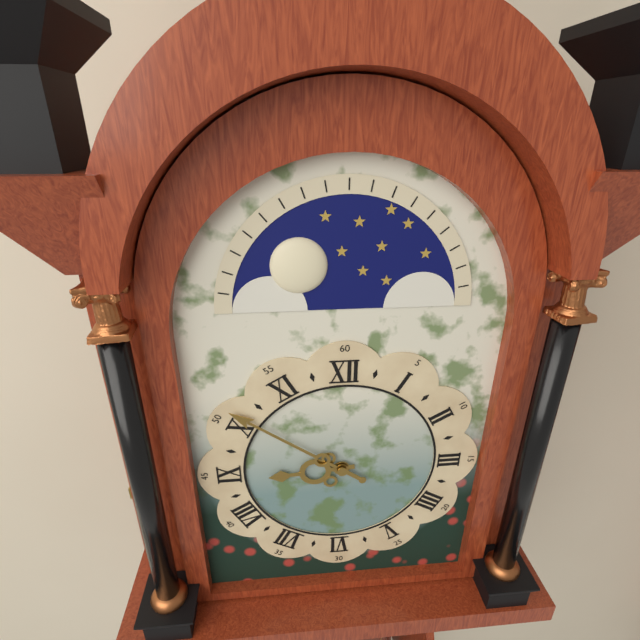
{"hour": 8, "minute": 51}
